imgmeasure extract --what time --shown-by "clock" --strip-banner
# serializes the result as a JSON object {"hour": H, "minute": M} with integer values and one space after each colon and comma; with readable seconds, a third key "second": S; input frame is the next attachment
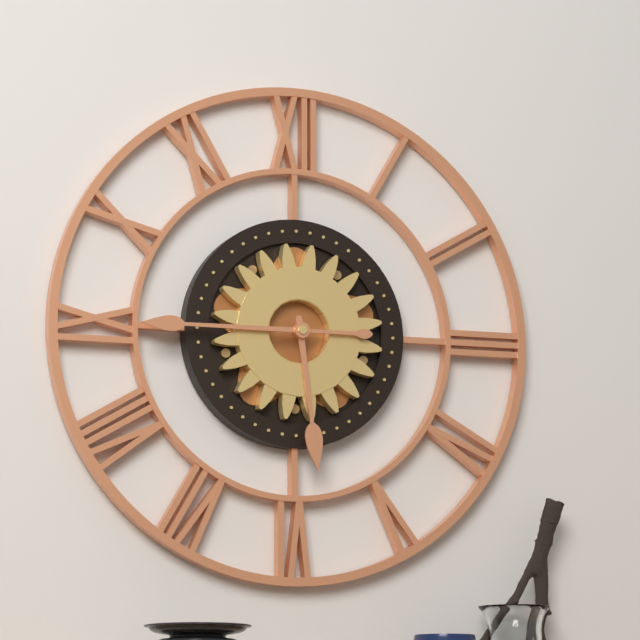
{"hour": 5, "minute": 45}
